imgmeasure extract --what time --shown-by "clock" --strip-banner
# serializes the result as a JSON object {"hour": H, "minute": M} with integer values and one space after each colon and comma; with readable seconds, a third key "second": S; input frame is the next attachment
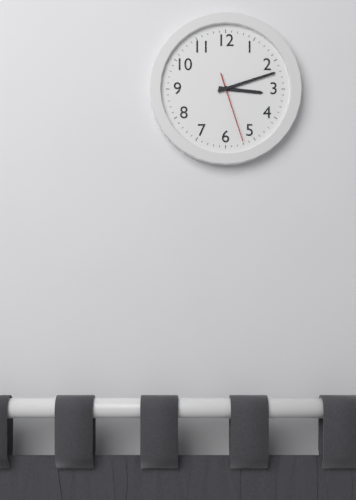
{"hour": 3, "minute": 12, "second": 27}
